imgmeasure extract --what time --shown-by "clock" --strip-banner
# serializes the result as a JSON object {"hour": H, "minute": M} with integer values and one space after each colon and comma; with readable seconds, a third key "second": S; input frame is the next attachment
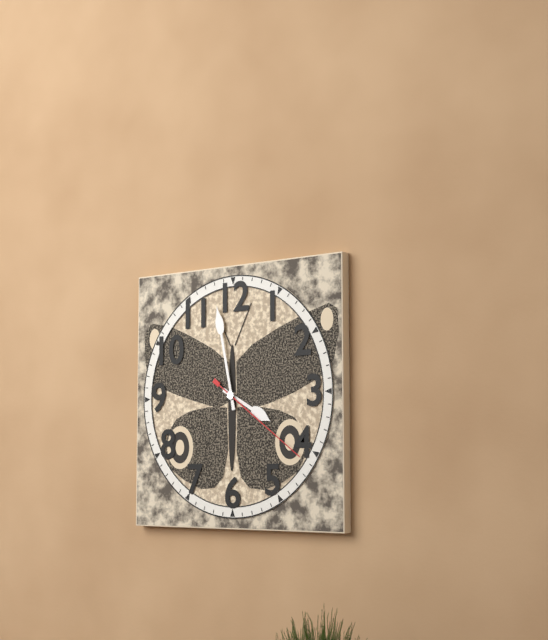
{"hour": 3, "minute": 58, "second": 21}
